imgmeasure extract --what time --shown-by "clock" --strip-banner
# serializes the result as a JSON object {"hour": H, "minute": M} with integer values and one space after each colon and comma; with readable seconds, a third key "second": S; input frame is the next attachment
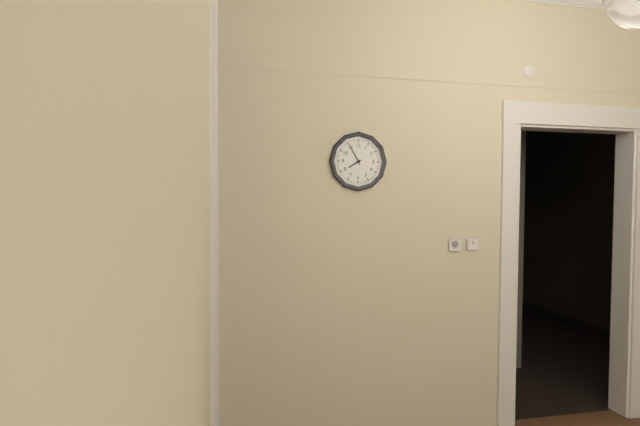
{"hour": 7, "minute": 55}
